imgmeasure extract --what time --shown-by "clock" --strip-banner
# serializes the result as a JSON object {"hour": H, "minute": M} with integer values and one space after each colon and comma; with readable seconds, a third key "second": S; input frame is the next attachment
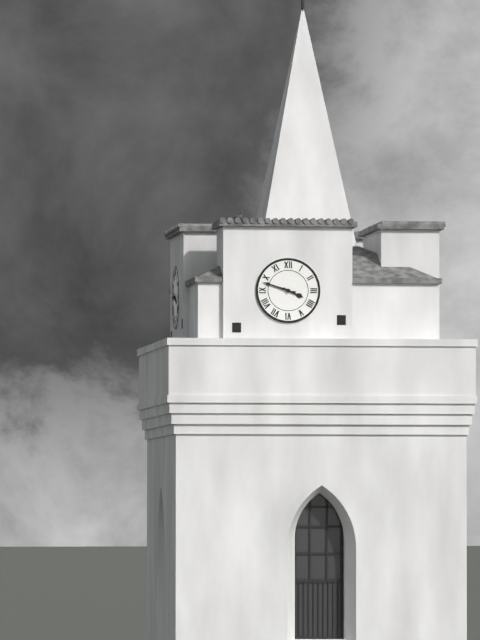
{"hour": 3, "minute": 48}
